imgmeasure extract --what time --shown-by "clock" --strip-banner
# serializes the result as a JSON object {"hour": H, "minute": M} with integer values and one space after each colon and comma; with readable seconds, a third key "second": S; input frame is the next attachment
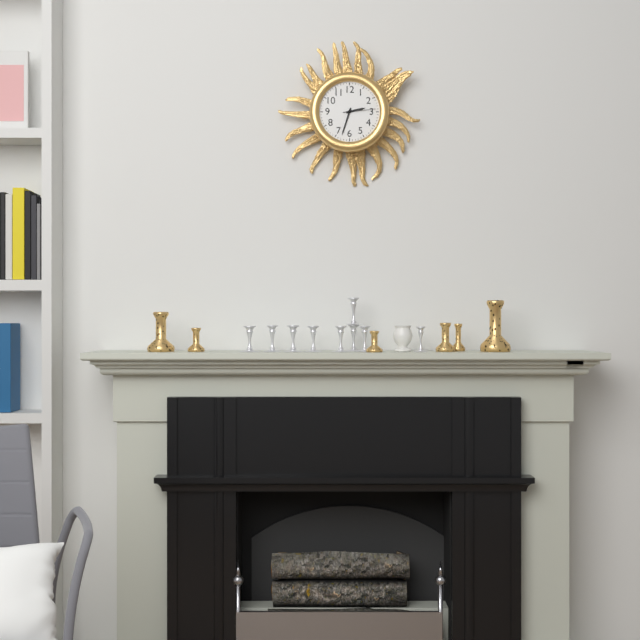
{"hour": 2, "minute": 33}
